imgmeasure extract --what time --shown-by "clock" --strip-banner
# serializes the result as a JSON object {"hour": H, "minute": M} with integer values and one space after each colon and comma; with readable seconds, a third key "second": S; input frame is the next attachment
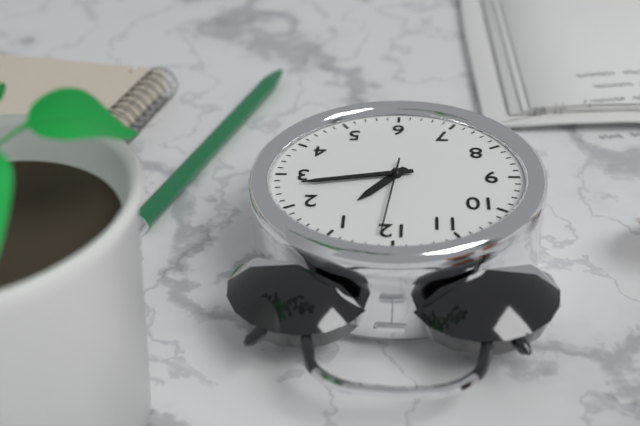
{"hour": 1, "minute": 13, "second": 1}
